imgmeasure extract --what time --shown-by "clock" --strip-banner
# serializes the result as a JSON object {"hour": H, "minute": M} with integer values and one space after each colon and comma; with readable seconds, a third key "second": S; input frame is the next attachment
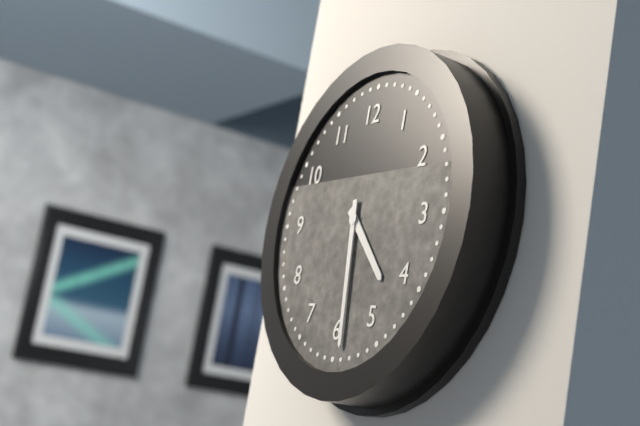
{"hour": 4, "minute": 29}
